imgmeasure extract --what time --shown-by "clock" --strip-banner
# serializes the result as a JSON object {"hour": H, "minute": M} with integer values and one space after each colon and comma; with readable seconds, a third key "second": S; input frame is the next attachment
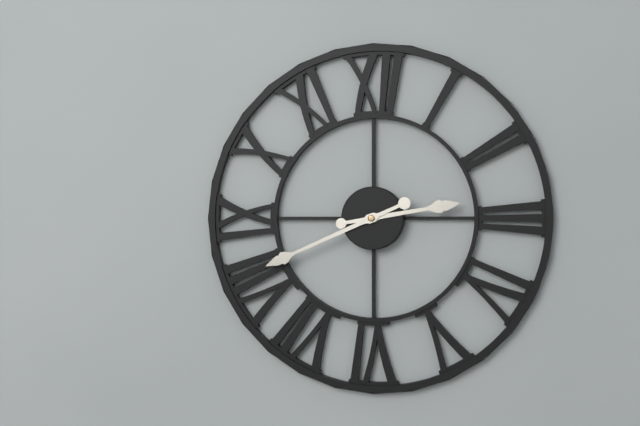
{"hour": 2, "minute": 41}
